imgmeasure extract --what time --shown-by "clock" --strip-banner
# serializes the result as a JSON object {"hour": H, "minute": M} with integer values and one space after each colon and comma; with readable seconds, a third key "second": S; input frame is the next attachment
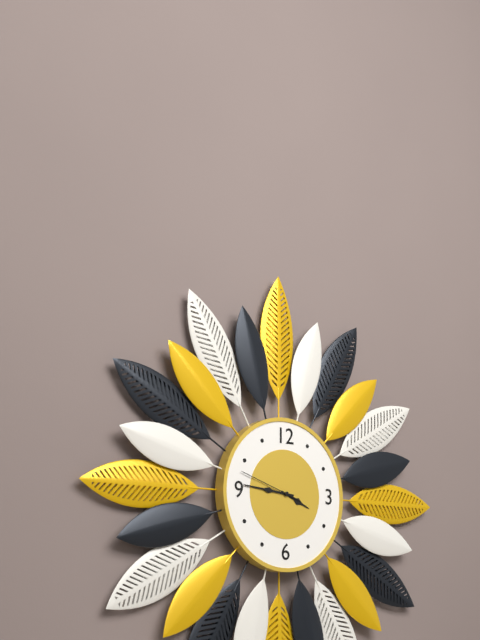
{"hour": 3, "minute": 46, "second": 48}
